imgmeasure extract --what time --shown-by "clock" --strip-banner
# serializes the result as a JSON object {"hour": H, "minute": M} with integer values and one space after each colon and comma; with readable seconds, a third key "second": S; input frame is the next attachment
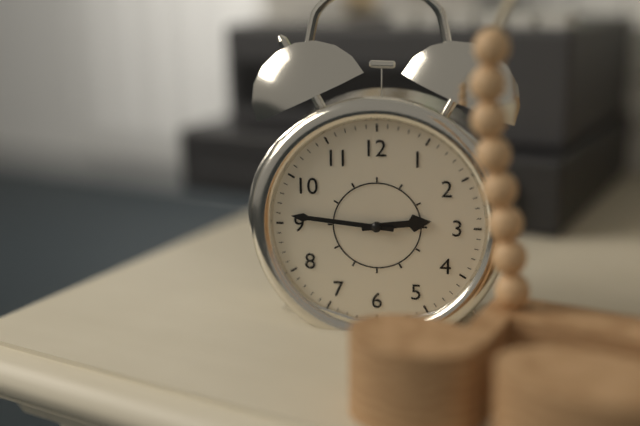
{"hour": 2, "minute": 46}
